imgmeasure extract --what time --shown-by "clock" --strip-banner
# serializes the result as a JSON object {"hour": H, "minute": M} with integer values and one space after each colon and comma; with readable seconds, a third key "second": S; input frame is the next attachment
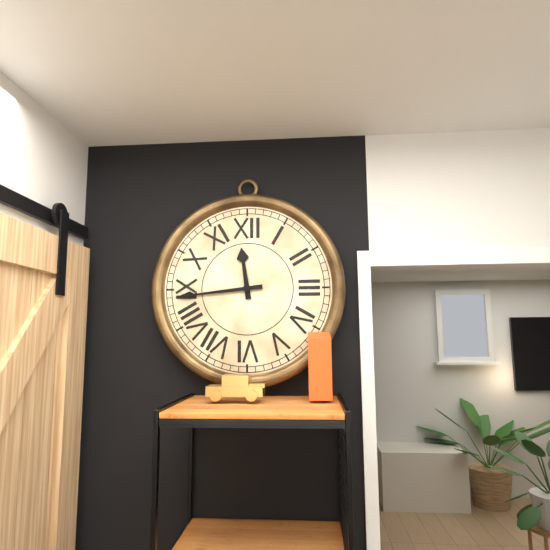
{"hour": 11, "minute": 44}
